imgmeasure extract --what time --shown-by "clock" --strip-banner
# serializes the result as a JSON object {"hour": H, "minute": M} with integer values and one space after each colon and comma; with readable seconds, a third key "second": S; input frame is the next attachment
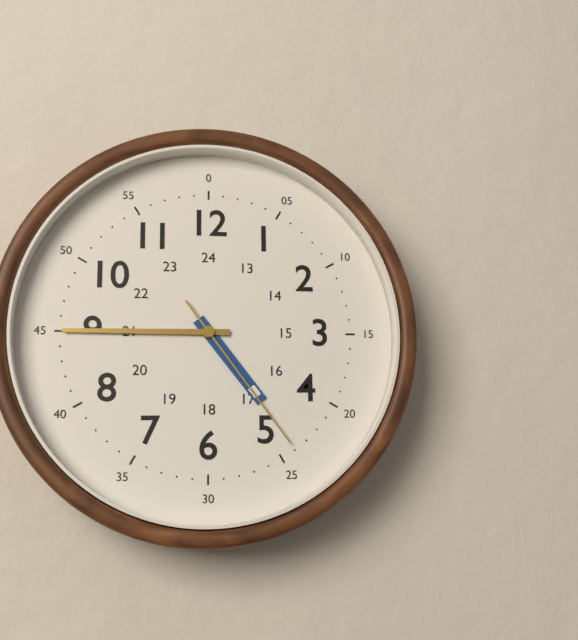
{"hour": 4, "minute": 45, "second": 24}
